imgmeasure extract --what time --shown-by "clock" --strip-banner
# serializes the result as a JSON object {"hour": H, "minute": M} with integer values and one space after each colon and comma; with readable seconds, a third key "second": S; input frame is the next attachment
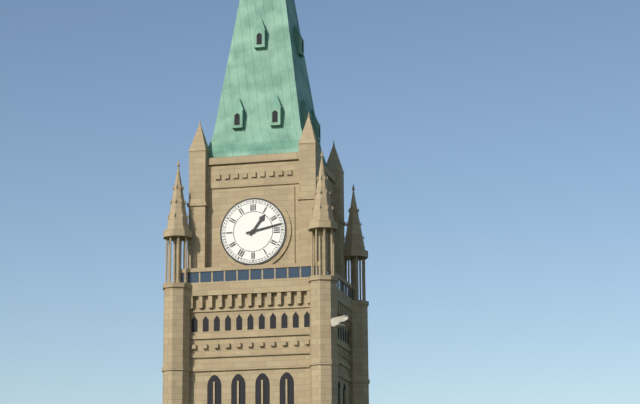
{"hour": 1, "minute": 13}
